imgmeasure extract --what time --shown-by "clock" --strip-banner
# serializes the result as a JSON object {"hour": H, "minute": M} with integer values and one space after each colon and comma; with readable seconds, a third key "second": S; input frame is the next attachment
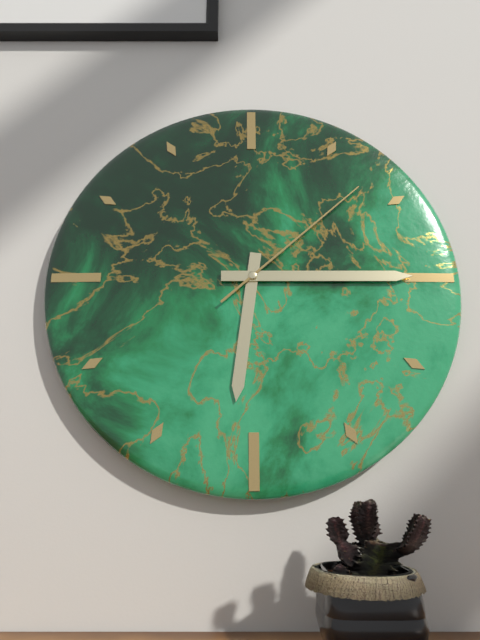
{"hour": 6, "minute": 15, "second": 8}
